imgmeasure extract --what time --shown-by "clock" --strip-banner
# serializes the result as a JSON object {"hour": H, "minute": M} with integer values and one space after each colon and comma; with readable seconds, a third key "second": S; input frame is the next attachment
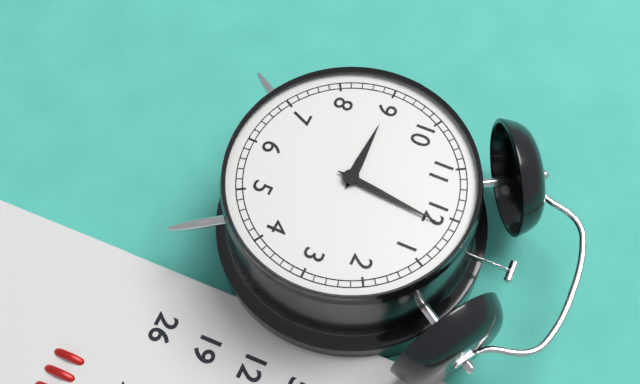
{"hour": 9, "minute": 1}
